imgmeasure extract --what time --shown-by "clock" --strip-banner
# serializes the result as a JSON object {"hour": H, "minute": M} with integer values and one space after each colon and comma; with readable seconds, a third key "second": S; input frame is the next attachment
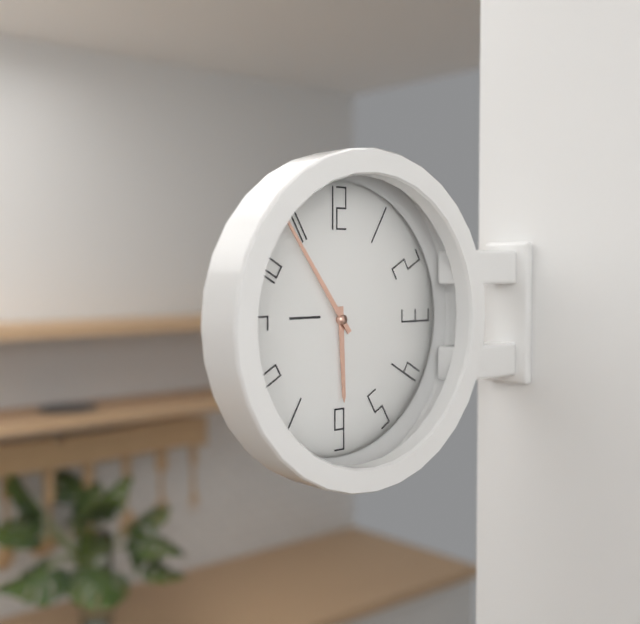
{"hour": 5, "minute": 54}
